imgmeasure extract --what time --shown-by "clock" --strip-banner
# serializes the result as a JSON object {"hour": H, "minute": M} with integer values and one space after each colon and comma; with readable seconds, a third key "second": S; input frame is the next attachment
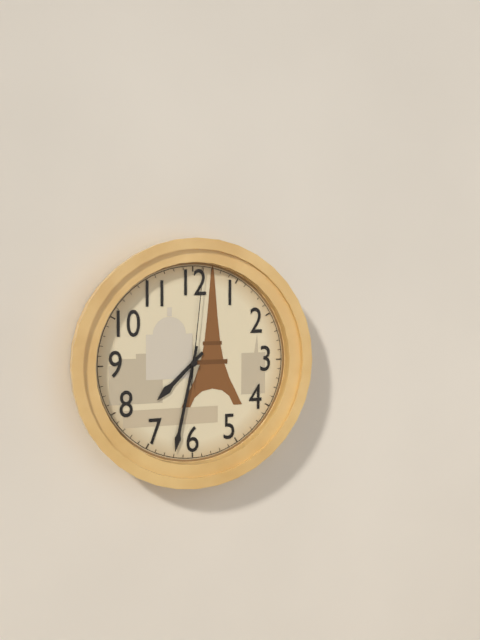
{"hour": 7, "minute": 32, "second": 1}
